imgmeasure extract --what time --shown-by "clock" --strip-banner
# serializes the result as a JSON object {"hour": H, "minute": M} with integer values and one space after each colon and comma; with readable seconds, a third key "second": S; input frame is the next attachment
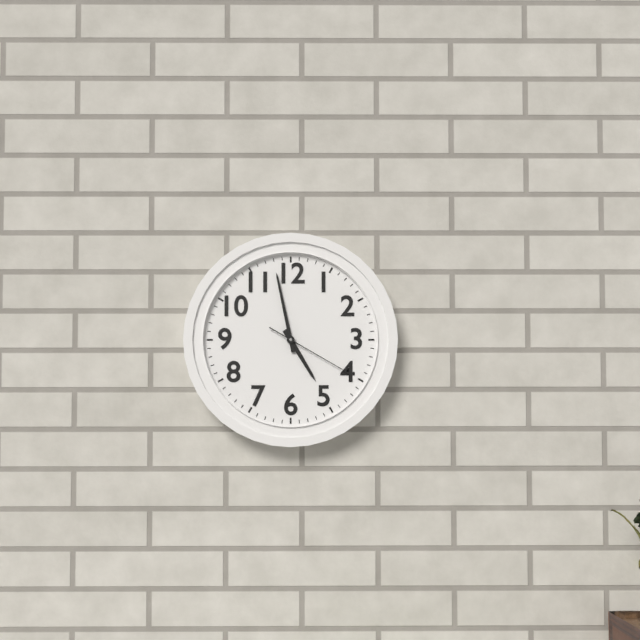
{"hour": 4, "minute": 58, "second": 20}
